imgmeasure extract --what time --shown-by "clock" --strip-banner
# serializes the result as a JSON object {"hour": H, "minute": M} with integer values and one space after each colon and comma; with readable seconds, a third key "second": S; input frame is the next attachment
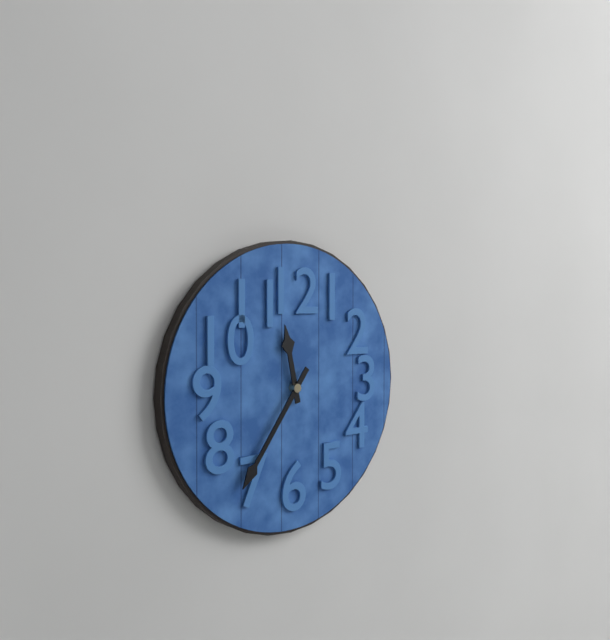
{"hour": 11, "minute": 36}
